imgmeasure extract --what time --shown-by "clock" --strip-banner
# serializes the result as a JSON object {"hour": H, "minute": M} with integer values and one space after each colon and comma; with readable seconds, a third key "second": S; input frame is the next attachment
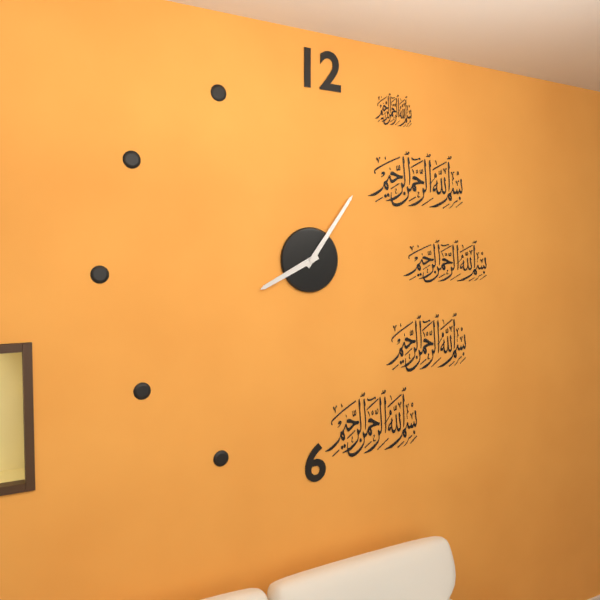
{"hour": 8, "minute": 6}
